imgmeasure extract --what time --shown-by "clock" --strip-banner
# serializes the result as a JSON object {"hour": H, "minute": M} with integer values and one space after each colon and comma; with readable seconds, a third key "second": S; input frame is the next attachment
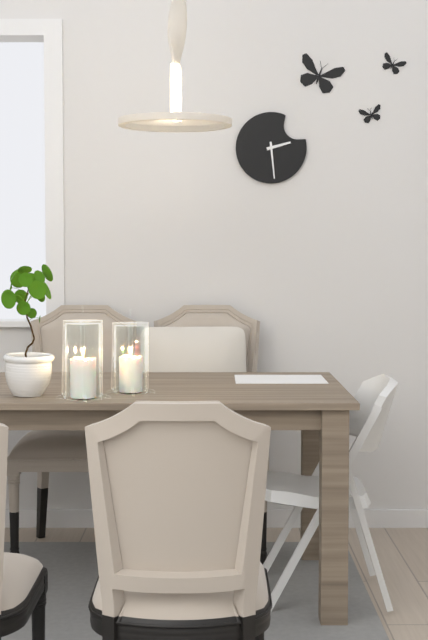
{"hour": 2, "minute": 29}
